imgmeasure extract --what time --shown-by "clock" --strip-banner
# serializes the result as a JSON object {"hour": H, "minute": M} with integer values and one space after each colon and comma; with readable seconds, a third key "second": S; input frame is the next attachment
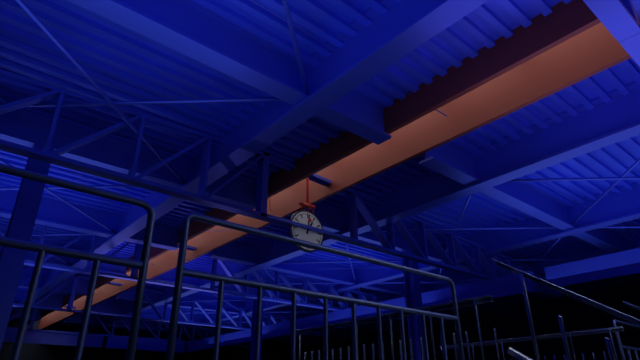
{"hour": 1, "minute": 1}
